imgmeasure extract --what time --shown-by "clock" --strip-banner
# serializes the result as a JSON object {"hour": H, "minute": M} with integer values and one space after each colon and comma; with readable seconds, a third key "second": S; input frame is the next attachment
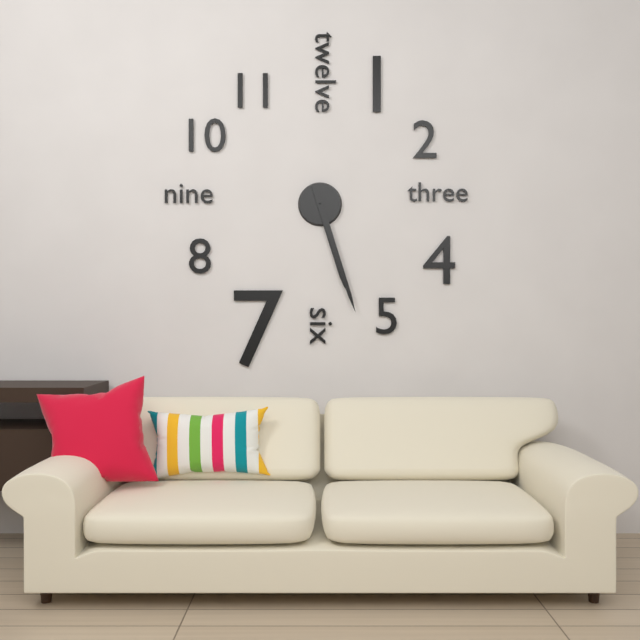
{"hour": 5, "minute": 27}
